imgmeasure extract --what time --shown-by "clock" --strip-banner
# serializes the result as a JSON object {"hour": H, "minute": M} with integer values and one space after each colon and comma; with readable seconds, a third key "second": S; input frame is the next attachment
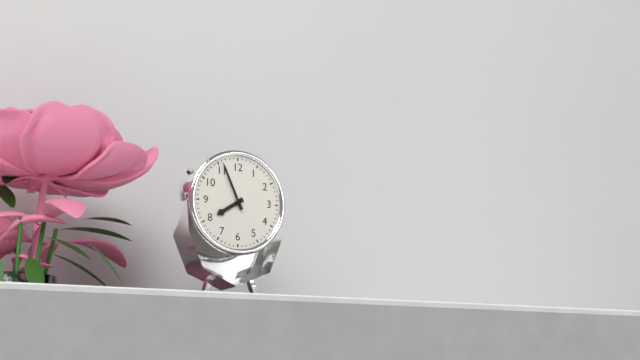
{"hour": 7, "minute": 56}
